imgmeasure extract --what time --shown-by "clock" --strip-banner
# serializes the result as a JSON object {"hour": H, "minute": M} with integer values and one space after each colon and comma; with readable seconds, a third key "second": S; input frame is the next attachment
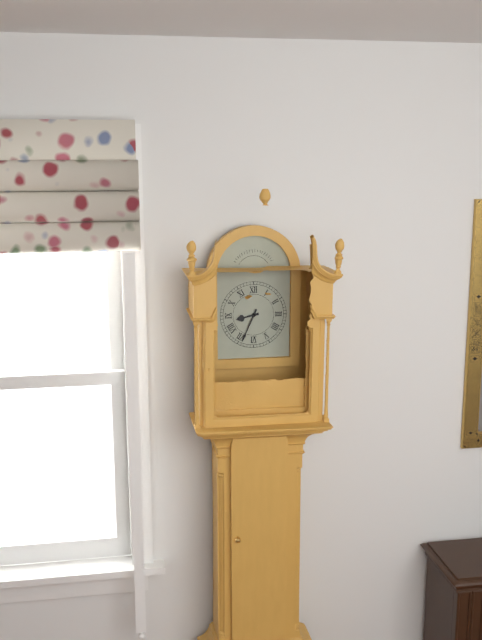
{"hour": 8, "minute": 34}
